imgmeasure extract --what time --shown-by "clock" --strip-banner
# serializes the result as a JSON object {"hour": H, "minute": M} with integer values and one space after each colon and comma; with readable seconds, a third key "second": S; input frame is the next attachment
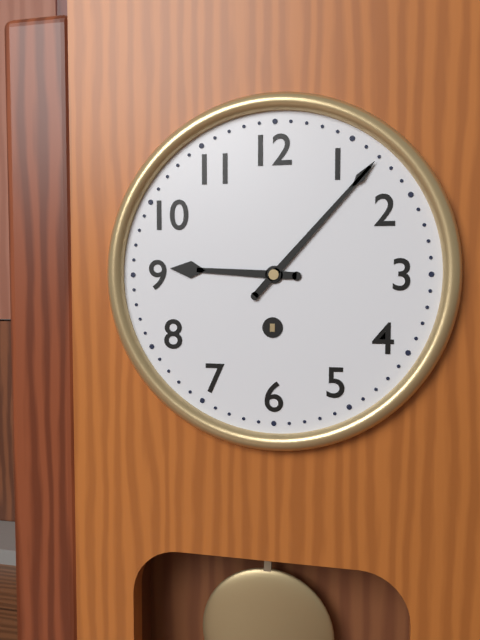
{"hour": 9, "minute": 7}
